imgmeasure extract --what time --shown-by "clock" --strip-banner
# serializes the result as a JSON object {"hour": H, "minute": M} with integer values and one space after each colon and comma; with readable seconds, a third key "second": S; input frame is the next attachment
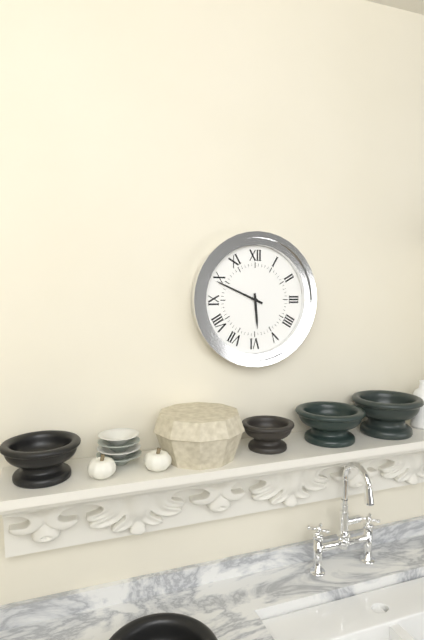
{"hour": 5, "minute": 49}
